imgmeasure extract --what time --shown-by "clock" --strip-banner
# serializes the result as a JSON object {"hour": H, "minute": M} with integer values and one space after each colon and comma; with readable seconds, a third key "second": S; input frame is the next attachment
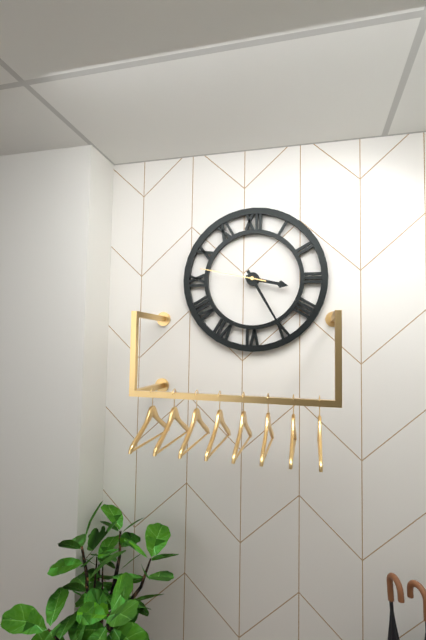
{"hour": 3, "minute": 25, "second": 47}
